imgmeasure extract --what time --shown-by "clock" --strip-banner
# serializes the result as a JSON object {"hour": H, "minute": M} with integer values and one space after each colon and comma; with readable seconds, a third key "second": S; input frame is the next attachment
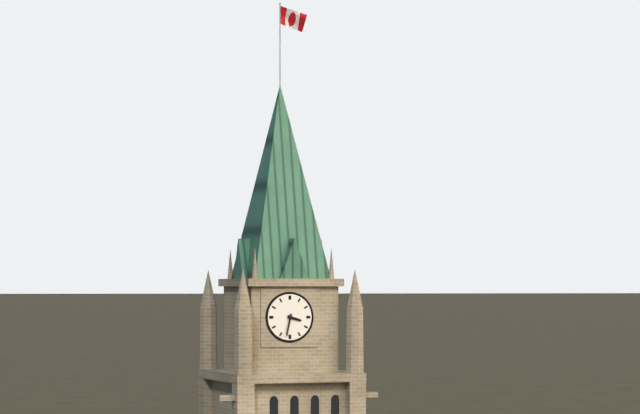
{"hour": 3, "minute": 32}
